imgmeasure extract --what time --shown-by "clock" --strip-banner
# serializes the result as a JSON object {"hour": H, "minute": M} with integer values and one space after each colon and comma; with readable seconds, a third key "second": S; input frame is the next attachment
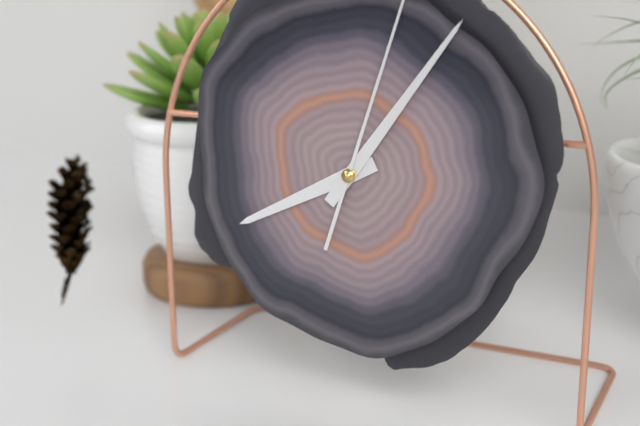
{"hour": 8, "minute": 6}
